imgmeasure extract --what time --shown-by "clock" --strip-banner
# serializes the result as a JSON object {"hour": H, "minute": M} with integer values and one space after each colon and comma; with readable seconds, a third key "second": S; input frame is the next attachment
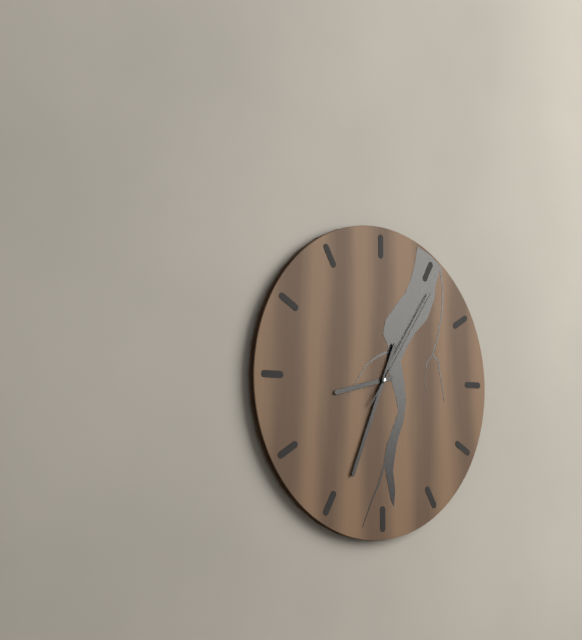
{"hour": 8, "minute": 34, "second": 6}
